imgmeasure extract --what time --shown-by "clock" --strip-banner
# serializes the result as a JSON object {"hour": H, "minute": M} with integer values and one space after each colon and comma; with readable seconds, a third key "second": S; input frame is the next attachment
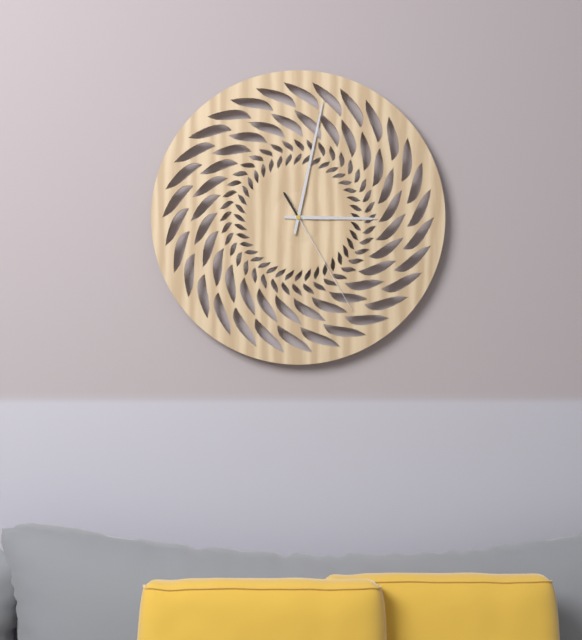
{"hour": 3, "minute": 2, "second": 25}
